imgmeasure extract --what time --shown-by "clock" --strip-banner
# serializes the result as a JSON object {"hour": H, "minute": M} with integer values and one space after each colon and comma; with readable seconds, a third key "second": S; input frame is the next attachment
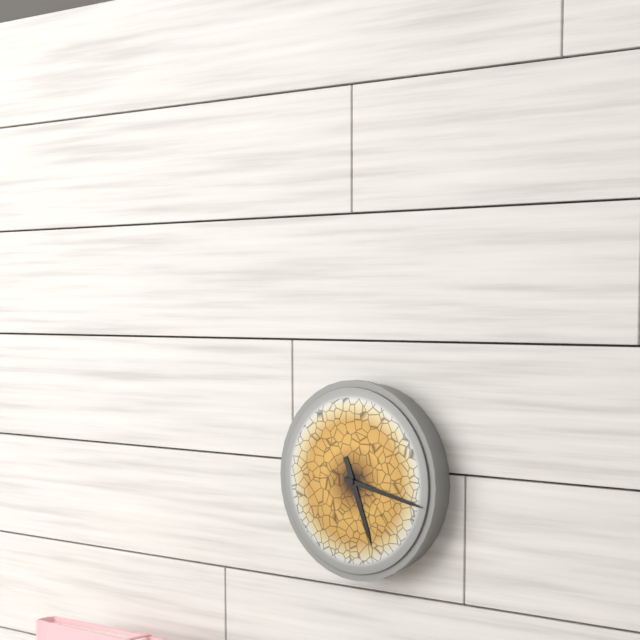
{"hour": 5, "minute": 17}
